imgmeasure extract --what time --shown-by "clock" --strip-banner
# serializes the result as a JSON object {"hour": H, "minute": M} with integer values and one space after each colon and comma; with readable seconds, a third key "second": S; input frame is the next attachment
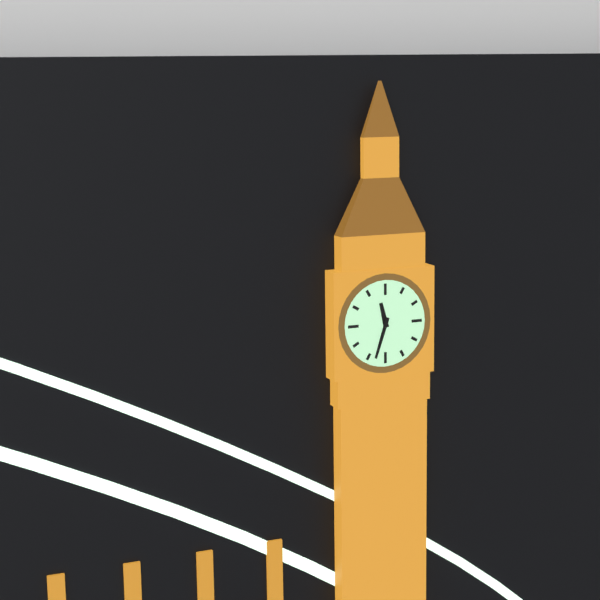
{"hour": 11, "minute": 33}
